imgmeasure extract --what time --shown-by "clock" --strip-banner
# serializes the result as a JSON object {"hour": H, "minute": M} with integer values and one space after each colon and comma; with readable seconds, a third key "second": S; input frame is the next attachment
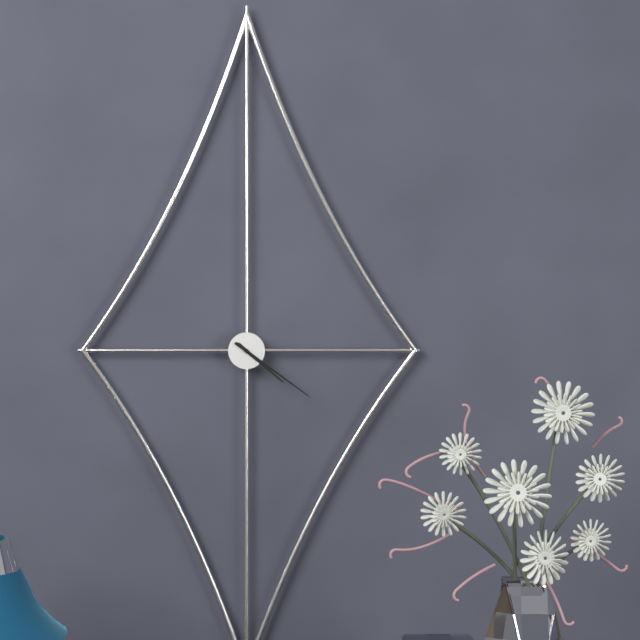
{"hour": 4, "minute": 21}
